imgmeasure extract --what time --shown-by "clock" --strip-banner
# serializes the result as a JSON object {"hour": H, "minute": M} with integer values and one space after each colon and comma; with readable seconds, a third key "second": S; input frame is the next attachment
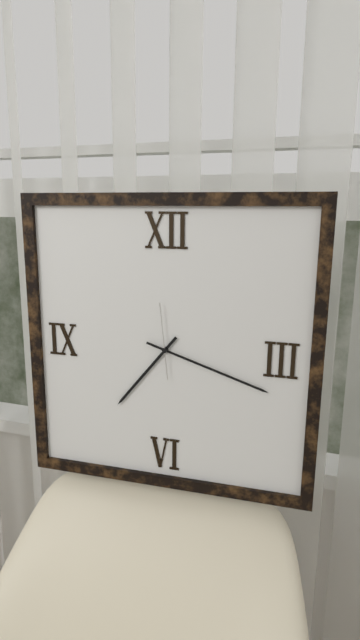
{"hour": 7, "minute": 18, "second": 59}
